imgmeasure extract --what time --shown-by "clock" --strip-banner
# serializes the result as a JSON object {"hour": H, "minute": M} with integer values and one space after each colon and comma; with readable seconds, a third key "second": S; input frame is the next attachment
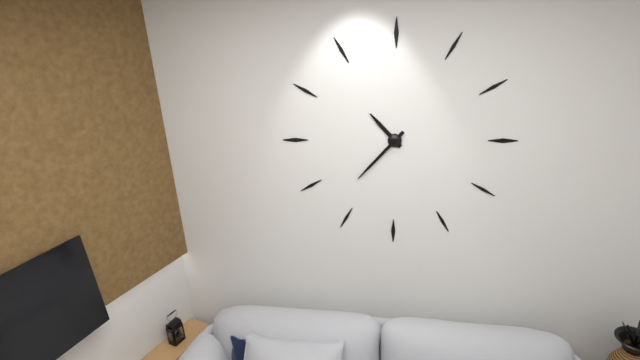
{"hour": 10, "minute": 37}
